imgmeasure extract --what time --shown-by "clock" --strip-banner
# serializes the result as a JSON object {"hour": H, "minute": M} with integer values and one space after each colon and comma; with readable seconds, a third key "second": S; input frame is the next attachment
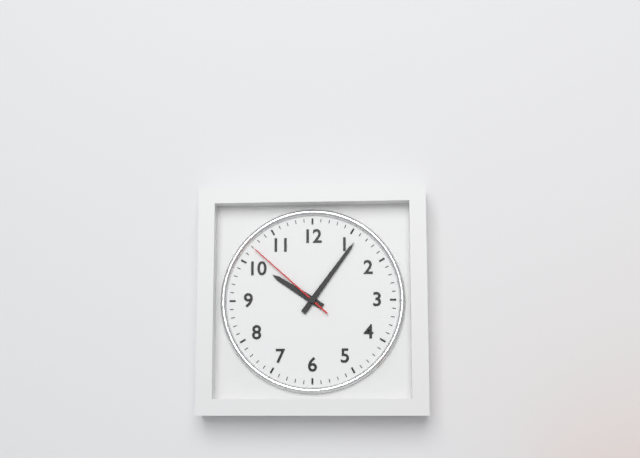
{"hour": 10, "minute": 6, "second": 52}
